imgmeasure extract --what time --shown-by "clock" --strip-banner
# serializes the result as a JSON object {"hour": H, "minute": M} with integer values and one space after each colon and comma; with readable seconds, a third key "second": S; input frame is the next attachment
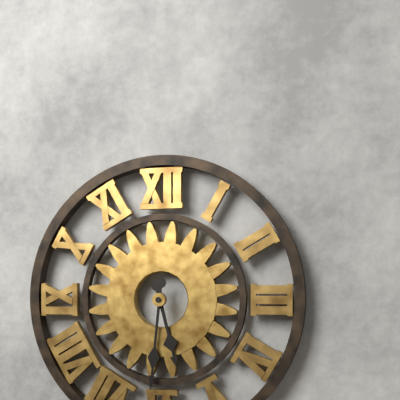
{"hour": 5, "minute": 31}
